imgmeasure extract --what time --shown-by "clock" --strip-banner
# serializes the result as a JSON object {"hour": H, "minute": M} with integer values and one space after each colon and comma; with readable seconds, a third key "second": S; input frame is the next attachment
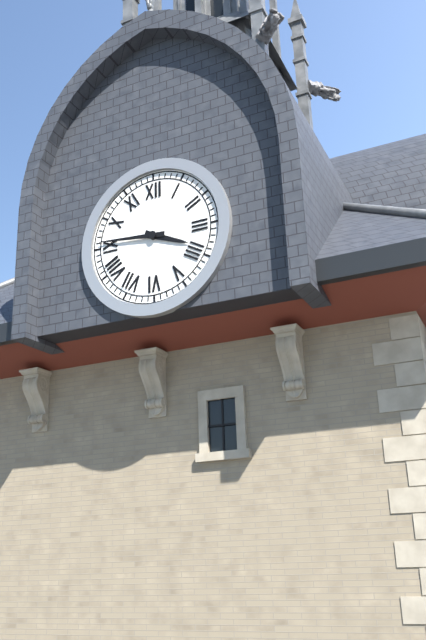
{"hour": 3, "minute": 46}
